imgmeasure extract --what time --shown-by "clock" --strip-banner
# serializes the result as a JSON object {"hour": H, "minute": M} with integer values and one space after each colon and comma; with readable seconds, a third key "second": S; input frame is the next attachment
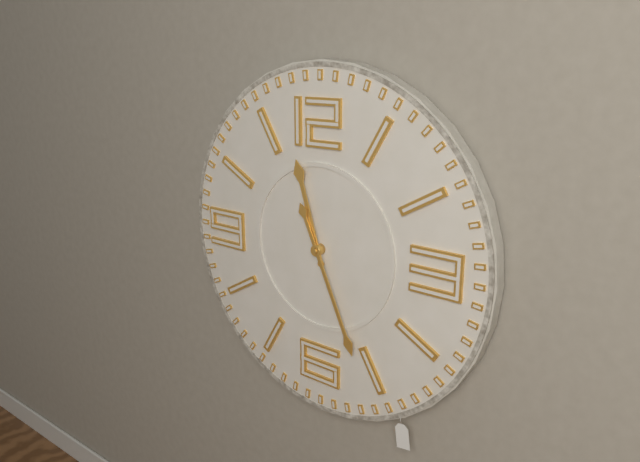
{"hour": 11, "minute": 26}
